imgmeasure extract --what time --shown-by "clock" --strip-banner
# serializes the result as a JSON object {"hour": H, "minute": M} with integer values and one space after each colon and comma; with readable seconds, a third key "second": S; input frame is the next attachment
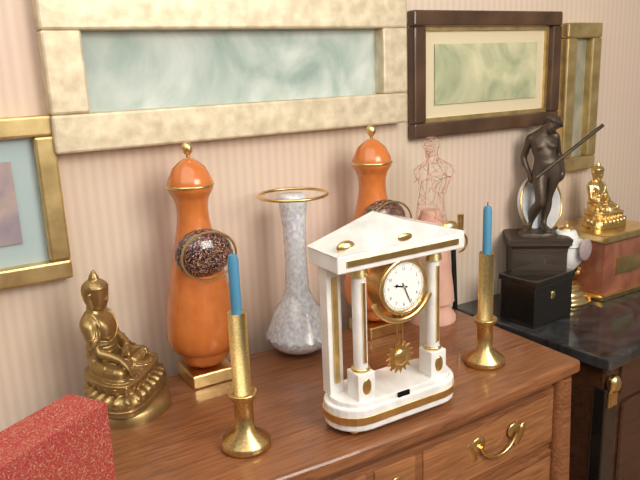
{"hour": 9, "minute": 26}
